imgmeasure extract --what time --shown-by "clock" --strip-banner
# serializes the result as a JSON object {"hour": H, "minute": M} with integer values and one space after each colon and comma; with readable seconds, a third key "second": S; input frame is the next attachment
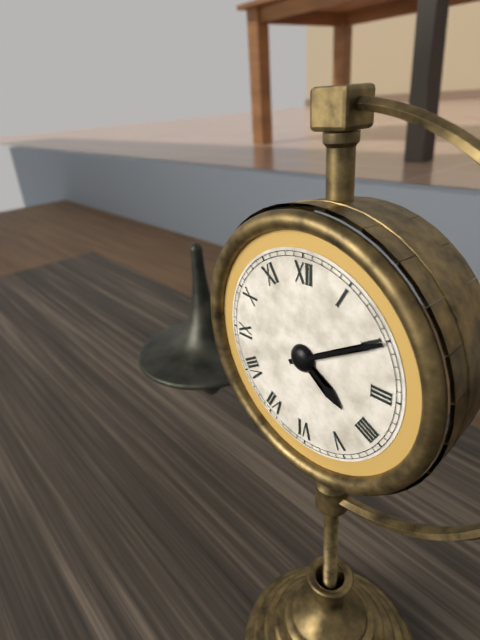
{"hour": 4, "minute": 10}
